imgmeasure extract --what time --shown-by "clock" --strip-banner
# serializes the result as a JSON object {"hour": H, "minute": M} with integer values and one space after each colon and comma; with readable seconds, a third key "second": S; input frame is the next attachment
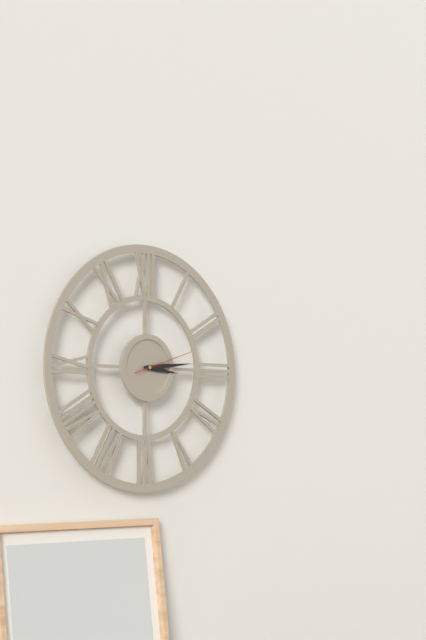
{"hour": 3, "minute": 14, "second": 12}
